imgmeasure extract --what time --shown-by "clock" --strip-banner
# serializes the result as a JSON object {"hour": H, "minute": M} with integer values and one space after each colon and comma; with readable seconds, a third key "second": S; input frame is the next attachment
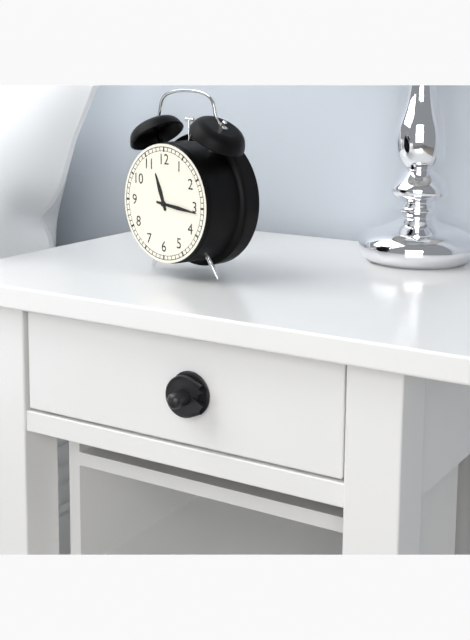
{"hour": 11, "minute": 16}
